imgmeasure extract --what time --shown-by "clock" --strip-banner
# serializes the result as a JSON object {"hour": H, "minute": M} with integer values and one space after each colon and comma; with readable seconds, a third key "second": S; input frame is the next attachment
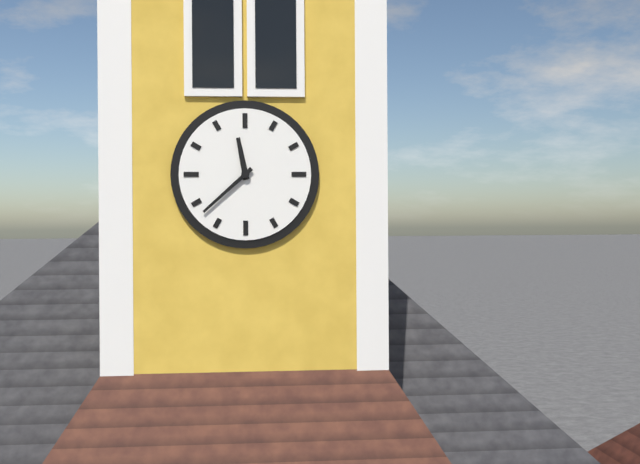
{"hour": 11, "minute": 38}
